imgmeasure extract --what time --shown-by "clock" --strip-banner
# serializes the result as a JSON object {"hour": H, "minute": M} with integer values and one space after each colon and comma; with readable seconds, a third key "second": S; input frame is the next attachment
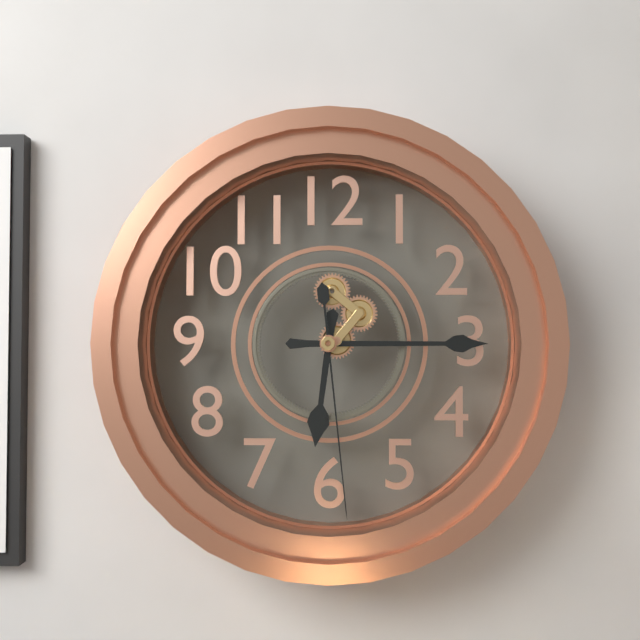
{"hour": 6, "minute": 15, "second": 29}
